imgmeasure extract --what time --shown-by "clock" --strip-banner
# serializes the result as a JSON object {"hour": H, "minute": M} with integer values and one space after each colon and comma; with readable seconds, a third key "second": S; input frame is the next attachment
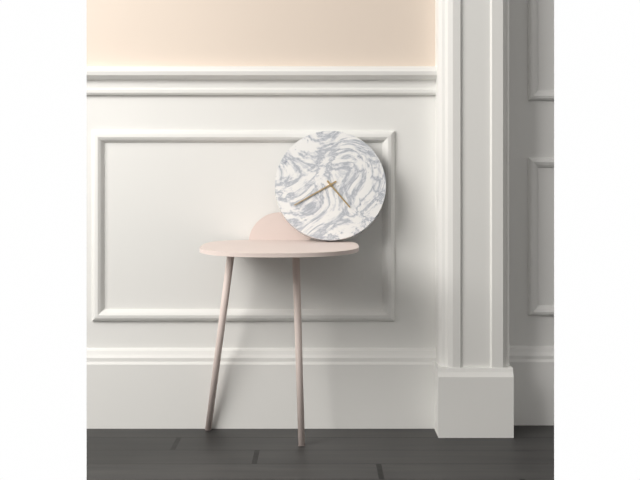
{"hour": 4, "minute": 40}
